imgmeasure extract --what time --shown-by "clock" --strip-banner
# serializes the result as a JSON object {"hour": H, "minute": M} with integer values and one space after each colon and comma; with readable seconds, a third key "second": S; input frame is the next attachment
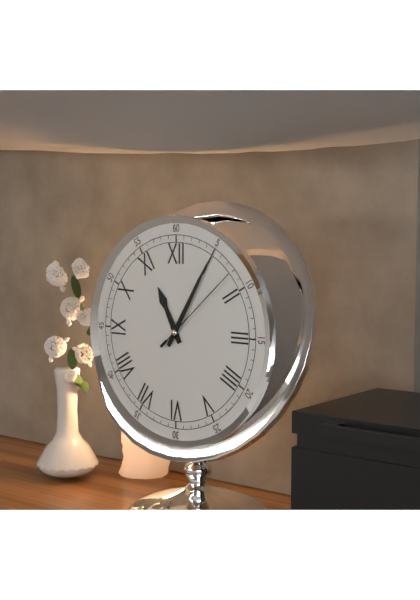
{"hour": 11, "minute": 5, "second": 8}
